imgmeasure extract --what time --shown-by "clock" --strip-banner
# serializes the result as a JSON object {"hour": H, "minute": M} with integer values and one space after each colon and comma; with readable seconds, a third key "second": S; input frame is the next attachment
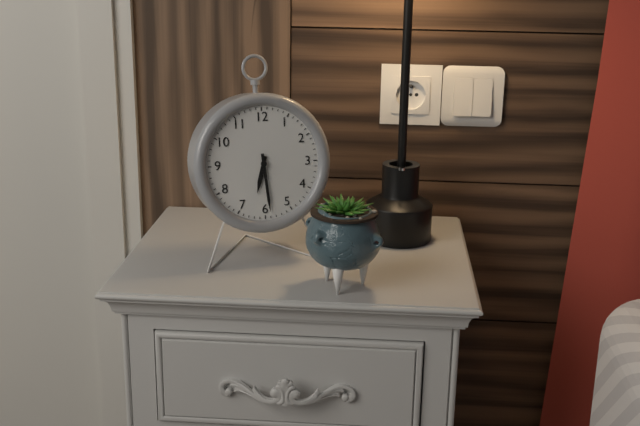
{"hour": 6, "minute": 29}
